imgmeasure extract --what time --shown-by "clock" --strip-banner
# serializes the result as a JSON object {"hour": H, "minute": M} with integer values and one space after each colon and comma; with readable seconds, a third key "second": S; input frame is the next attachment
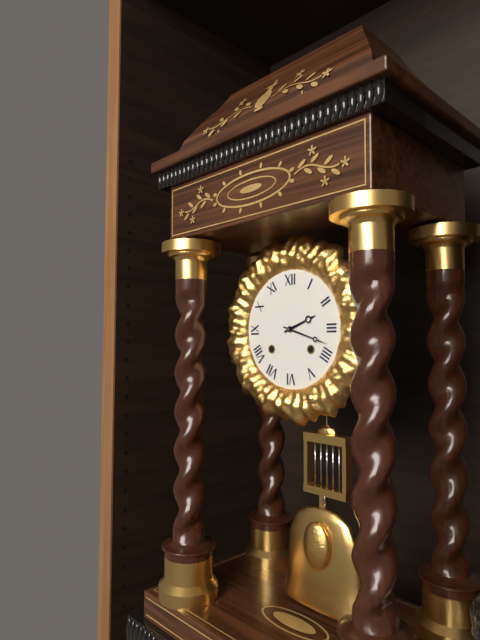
{"hour": 2, "minute": 18}
